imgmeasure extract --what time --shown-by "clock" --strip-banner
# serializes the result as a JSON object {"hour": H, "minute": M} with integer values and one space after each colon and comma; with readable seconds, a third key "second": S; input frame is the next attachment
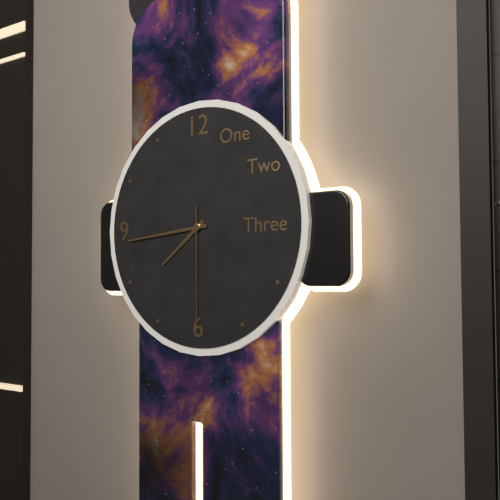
{"hour": 7, "minute": 44, "second": 30}
